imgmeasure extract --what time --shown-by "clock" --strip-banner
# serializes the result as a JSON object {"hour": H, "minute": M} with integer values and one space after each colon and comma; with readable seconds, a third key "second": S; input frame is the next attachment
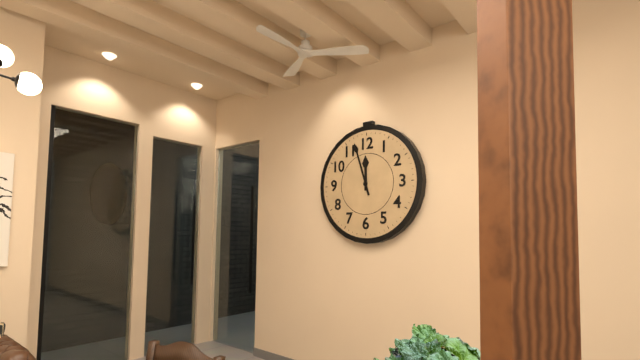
{"hour": 11, "minute": 57}
